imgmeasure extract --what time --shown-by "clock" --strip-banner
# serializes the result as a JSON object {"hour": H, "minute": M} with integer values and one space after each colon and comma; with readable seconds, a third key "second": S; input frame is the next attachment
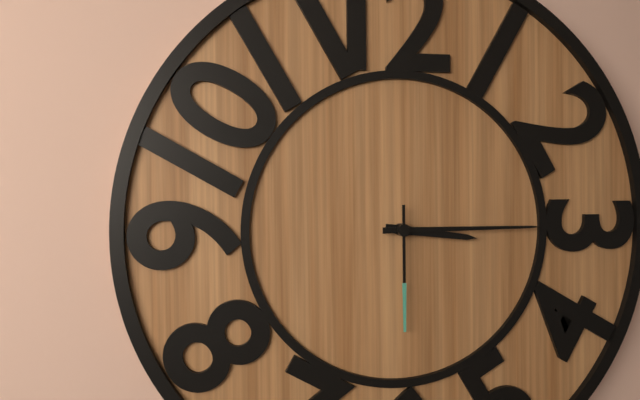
{"hour": 3, "minute": 15, "second": 30}
